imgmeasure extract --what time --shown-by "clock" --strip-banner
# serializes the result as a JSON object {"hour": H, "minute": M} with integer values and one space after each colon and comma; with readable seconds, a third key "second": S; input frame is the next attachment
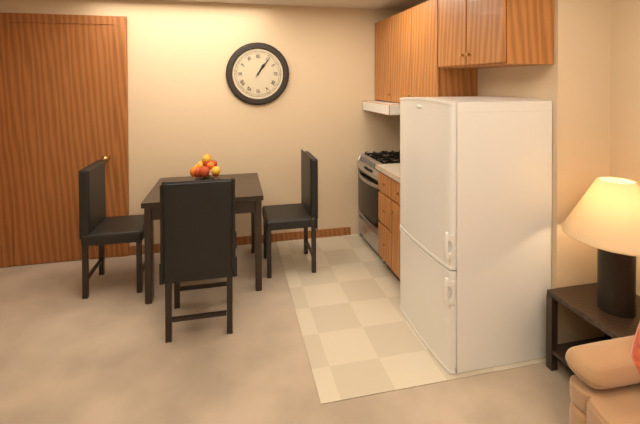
{"hour": 1, "minute": 6}
